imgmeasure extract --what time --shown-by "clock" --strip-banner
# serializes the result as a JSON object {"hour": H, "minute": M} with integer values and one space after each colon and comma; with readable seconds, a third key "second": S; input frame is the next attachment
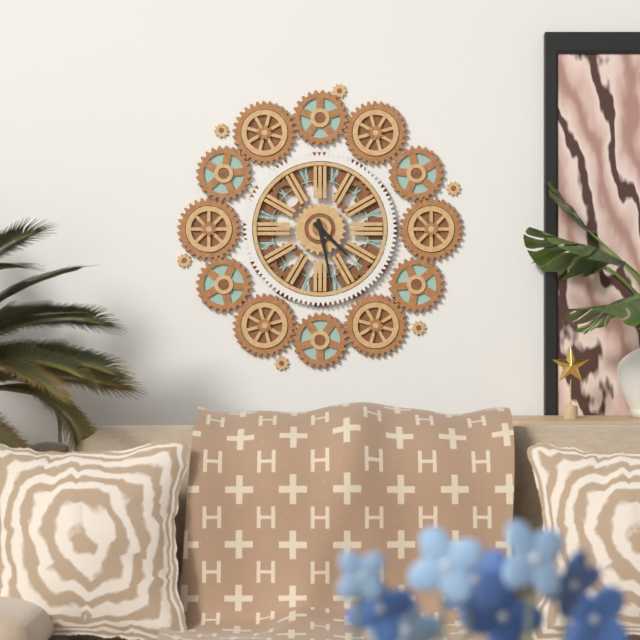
{"hour": 4, "minute": 28}
